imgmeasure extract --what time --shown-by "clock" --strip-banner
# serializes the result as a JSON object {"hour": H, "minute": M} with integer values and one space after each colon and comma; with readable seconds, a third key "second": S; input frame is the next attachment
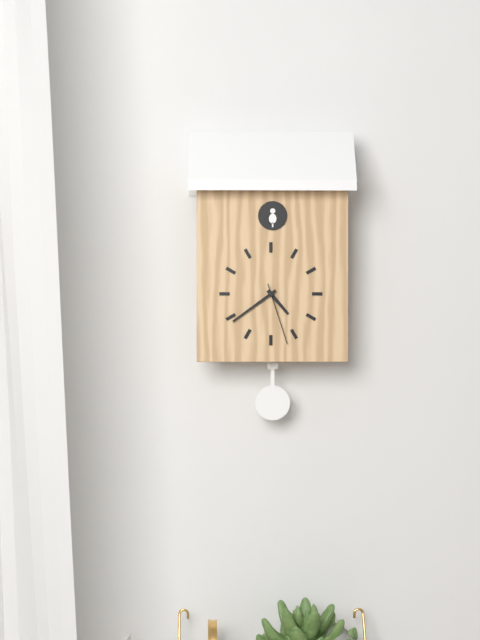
{"hour": 4, "minute": 39, "second": 27}
